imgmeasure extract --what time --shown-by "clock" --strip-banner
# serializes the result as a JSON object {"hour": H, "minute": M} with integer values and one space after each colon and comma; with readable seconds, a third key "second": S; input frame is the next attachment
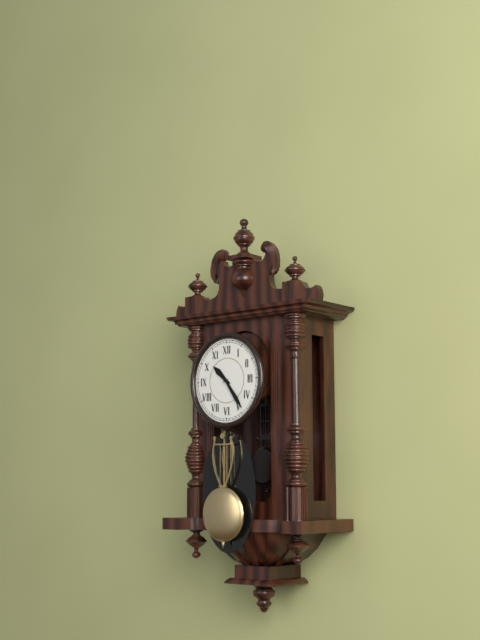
{"hour": 10, "minute": 24}
